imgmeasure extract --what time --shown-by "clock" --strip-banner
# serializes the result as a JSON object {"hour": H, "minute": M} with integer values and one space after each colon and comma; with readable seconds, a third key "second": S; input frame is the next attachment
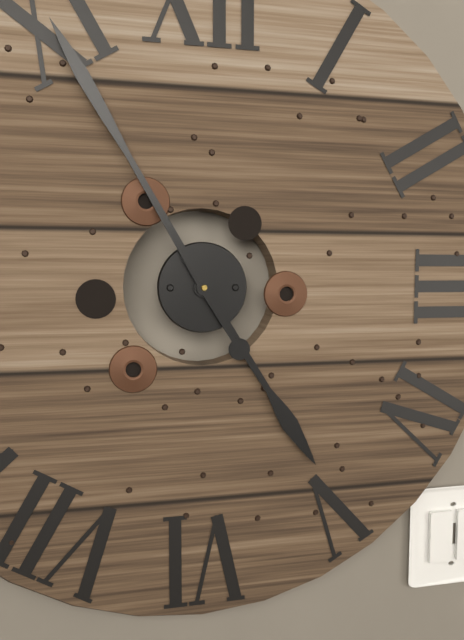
{"hour": 4, "minute": 55}
